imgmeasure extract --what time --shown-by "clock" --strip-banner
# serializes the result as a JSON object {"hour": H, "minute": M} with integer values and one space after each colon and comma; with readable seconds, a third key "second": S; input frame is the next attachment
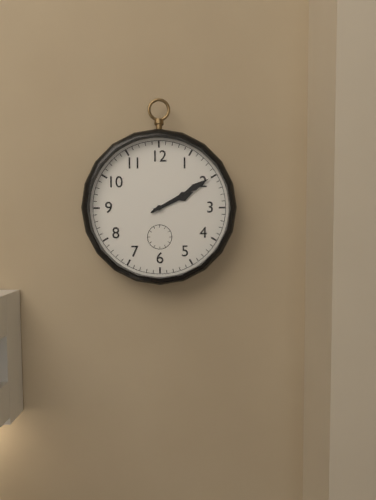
{"hour": 2, "minute": 10}
